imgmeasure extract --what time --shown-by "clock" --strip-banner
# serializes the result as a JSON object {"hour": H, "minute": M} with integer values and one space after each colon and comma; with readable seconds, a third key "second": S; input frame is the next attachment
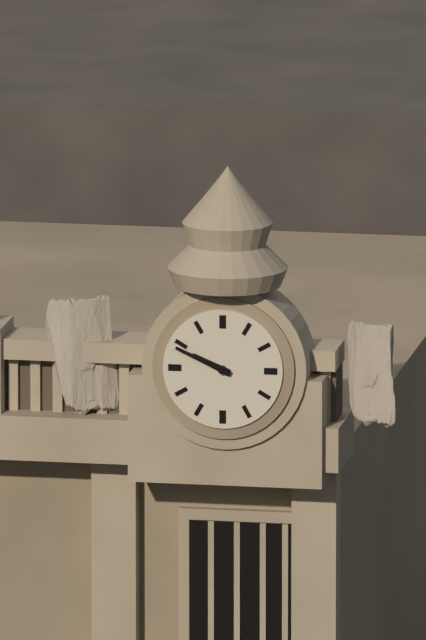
{"hour": 9, "minute": 49}
